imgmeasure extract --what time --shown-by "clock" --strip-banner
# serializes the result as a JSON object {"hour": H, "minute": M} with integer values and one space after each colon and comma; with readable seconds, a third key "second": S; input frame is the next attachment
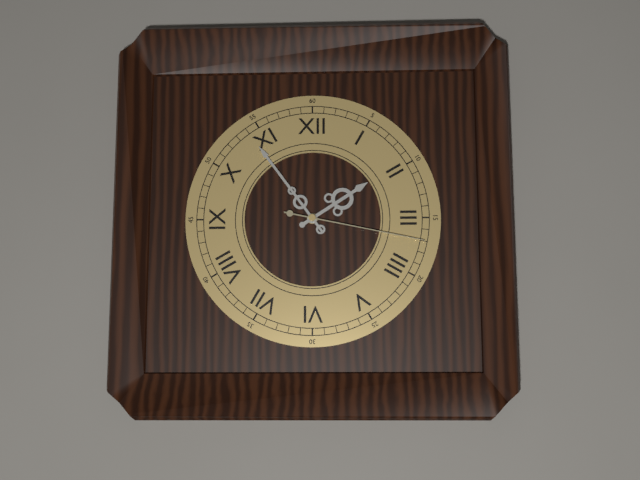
{"hour": 1, "minute": 54, "second": 17}
